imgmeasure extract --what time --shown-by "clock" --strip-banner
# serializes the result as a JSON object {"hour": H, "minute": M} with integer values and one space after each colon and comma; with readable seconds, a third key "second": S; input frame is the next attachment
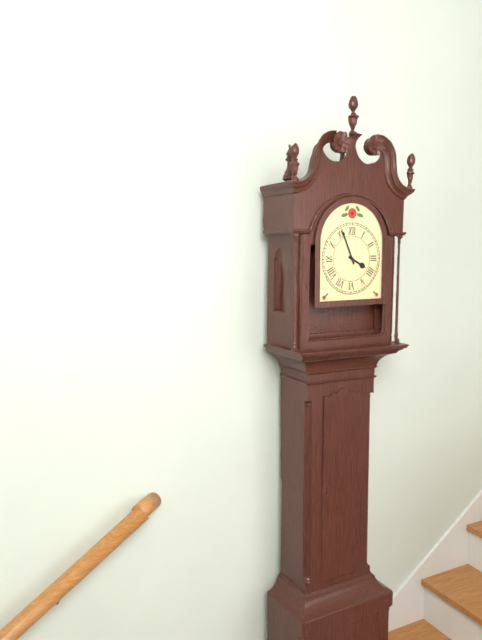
{"hour": 3, "minute": 56}
